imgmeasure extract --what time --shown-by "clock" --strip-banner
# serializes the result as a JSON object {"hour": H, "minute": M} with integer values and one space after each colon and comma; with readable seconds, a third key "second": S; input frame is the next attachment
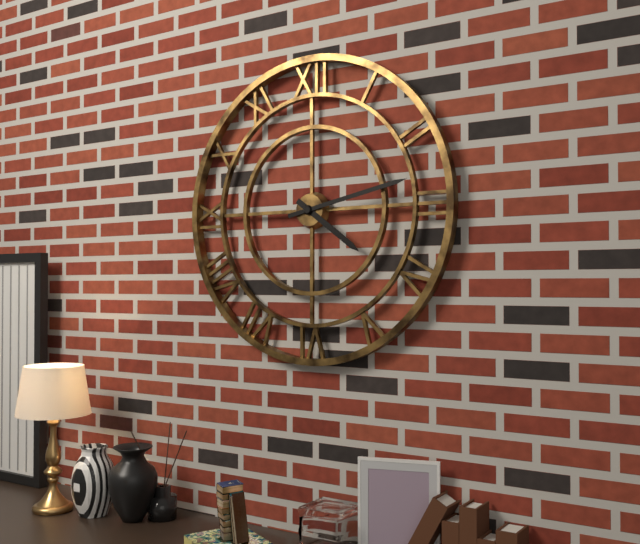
{"hour": 4, "minute": 13}
